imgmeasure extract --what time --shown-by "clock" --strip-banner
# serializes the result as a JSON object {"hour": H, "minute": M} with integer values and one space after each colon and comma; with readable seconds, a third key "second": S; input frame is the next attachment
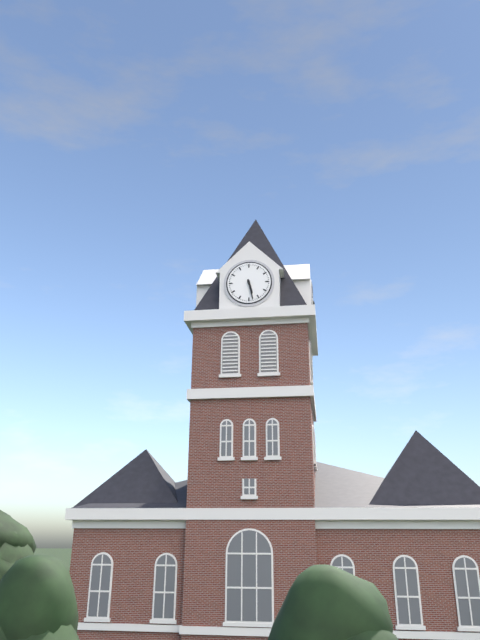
{"hour": 5, "minute": 28}
